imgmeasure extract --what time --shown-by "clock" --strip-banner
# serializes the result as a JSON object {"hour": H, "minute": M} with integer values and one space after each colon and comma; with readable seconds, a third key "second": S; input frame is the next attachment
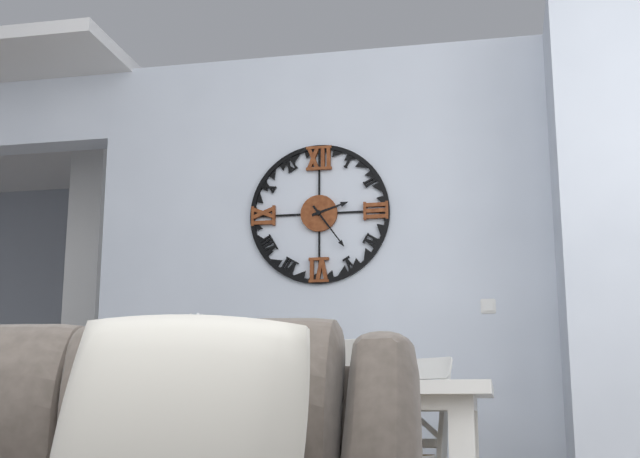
{"hour": 2, "minute": 24}
